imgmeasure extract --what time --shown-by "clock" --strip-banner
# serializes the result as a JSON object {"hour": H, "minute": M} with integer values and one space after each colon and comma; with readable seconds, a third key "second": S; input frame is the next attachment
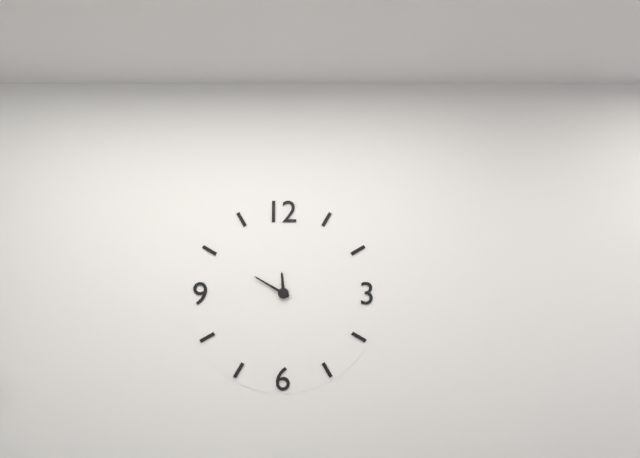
{"hour": 11, "minute": 50}
